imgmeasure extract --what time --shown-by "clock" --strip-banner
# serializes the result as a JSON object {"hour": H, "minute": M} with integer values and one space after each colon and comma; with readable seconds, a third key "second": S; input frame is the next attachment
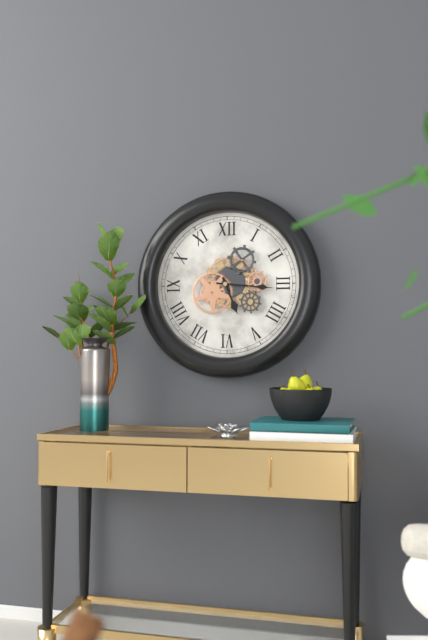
{"hour": 5, "minute": 16}
